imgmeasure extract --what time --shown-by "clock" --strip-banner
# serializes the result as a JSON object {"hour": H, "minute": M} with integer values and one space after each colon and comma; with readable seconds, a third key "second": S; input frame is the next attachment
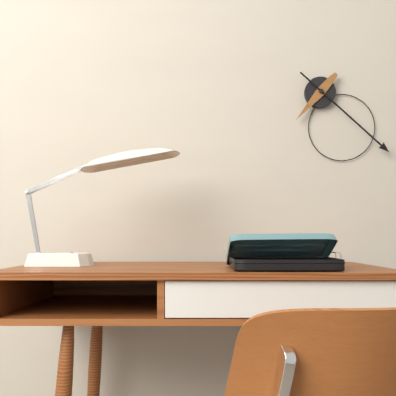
{"hour": 7, "minute": 22}
